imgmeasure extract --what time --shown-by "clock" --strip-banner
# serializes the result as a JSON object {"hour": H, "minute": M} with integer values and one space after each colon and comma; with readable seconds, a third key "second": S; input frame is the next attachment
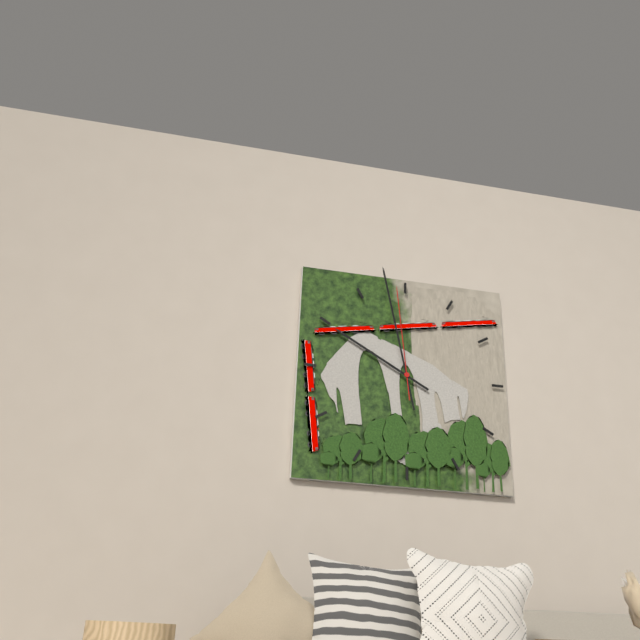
{"hour": 9, "minute": 58, "second": 59}
